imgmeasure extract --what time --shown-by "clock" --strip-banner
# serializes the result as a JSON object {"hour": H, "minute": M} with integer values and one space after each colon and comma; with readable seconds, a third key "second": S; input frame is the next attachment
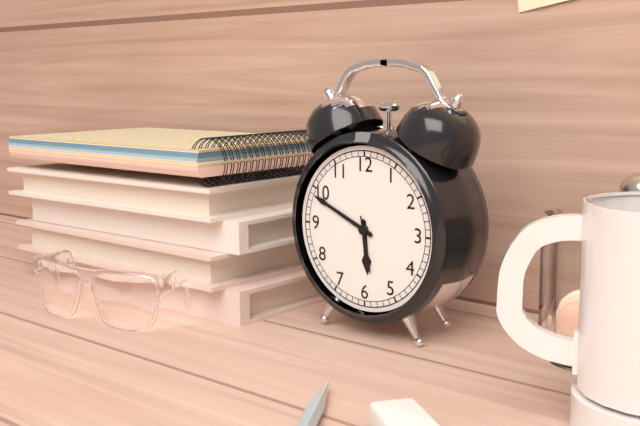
{"hour": 5, "minute": 49, "second": 28}
